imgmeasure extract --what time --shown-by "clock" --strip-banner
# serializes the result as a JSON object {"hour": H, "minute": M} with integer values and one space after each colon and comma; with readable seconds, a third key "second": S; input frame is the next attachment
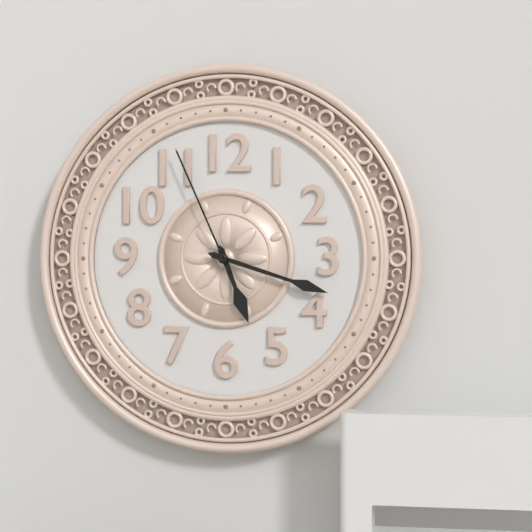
{"hour": 5, "minute": 18, "second": 56}
